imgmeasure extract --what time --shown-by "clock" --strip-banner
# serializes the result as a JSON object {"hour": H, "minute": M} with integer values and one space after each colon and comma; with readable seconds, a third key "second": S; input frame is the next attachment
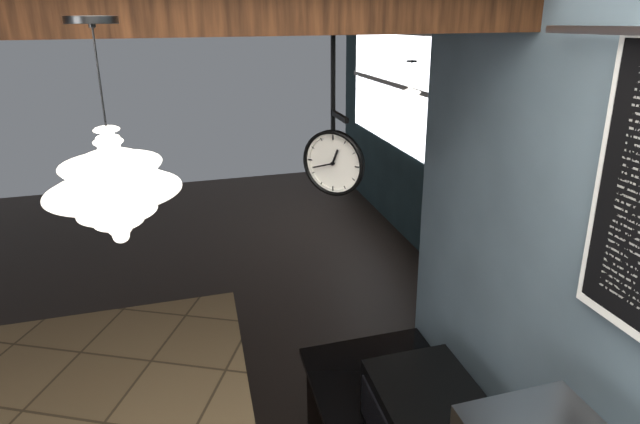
{"hour": 12, "minute": 42}
